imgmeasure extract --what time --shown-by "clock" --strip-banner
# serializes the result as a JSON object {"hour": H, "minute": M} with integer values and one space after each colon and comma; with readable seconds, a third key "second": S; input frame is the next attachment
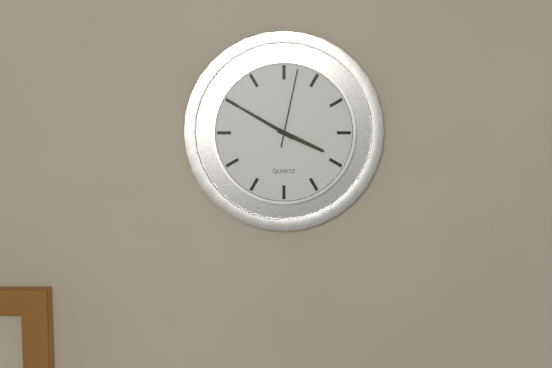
{"hour": 3, "minute": 50, "second": 2}
